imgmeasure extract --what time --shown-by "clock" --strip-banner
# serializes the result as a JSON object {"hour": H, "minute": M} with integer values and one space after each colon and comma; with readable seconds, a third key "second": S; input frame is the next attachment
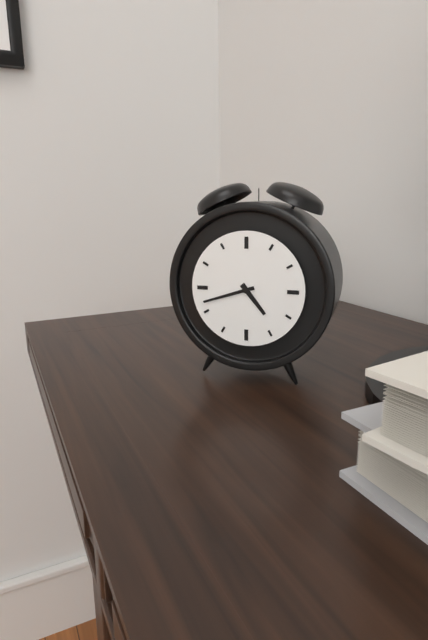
{"hour": 4, "minute": 42}
